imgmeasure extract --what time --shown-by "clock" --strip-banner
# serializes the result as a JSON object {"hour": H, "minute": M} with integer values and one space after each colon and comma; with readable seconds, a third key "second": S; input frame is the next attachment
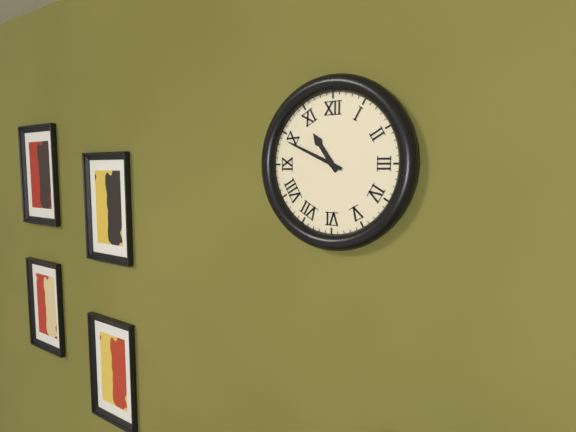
{"hour": 10, "minute": 49}
